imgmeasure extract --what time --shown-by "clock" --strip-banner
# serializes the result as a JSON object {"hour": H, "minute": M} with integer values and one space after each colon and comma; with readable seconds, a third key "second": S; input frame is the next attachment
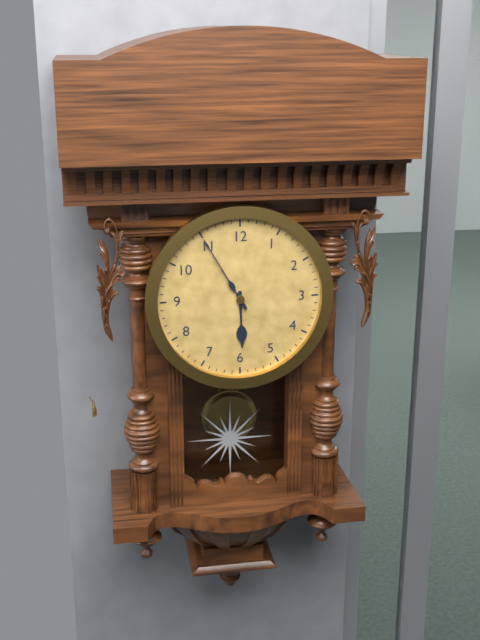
{"hour": 5, "minute": 55}
